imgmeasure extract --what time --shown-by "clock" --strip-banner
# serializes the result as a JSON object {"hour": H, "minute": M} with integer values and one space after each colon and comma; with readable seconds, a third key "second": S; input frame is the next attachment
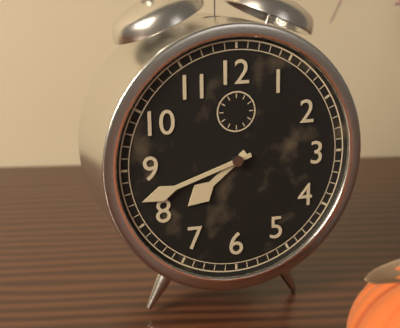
{"hour": 7, "minute": 42}
